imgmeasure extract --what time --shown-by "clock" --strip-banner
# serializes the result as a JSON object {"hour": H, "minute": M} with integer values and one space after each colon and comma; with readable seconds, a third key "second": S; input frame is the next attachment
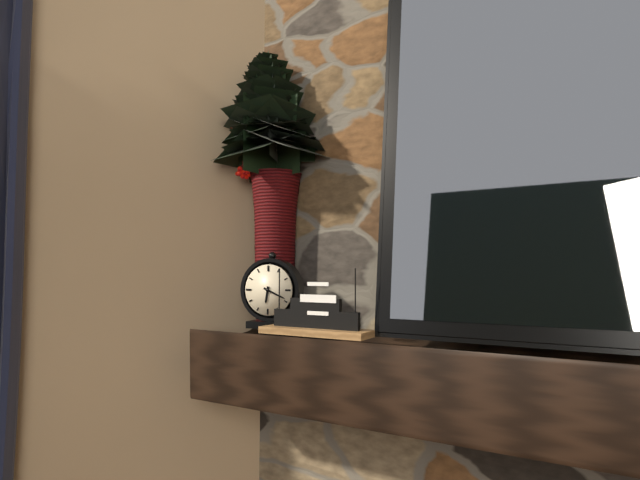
{"hour": 6, "minute": 19}
